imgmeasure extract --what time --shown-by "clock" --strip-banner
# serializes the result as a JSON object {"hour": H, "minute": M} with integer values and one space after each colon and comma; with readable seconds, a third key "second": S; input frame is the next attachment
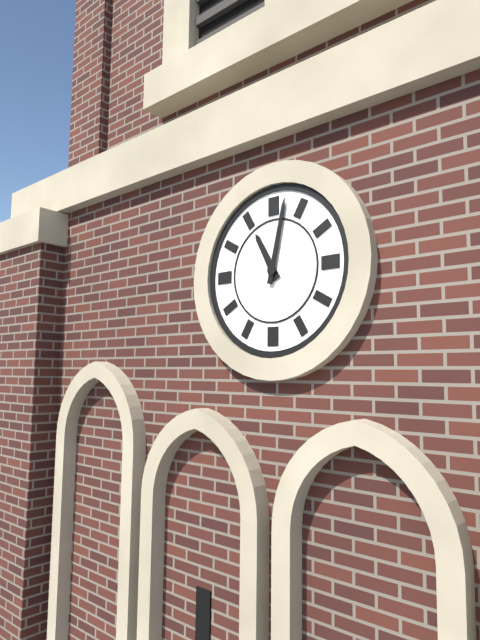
{"hour": 11, "minute": 2}
